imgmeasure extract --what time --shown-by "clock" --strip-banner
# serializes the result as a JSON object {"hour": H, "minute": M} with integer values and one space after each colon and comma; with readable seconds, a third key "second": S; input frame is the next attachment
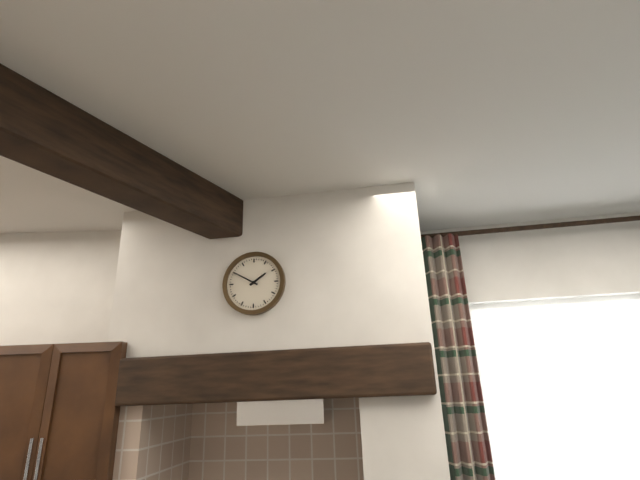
{"hour": 1, "minute": 50}
